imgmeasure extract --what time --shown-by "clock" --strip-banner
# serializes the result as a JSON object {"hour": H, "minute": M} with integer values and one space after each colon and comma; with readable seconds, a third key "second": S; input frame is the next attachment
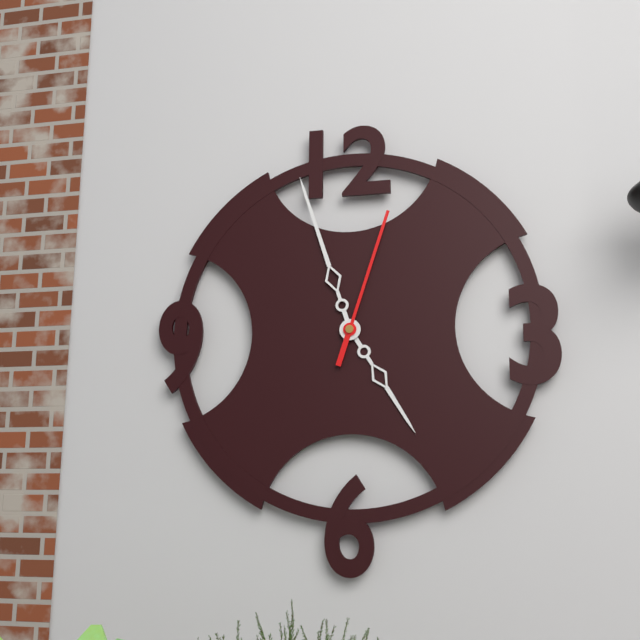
{"hour": 4, "minute": 57, "second": 3}
